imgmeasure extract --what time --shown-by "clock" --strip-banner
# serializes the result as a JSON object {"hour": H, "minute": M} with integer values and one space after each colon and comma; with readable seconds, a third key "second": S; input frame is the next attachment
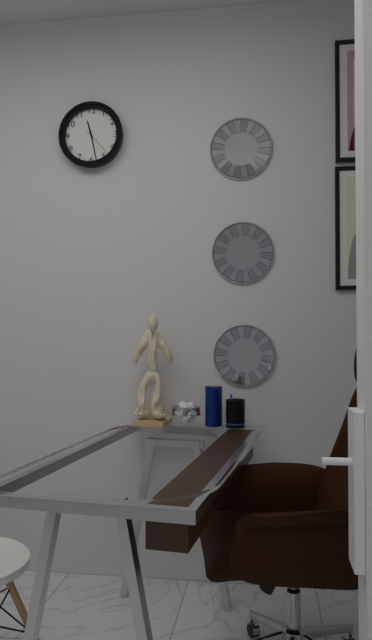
{"hour": 11, "minute": 28}
